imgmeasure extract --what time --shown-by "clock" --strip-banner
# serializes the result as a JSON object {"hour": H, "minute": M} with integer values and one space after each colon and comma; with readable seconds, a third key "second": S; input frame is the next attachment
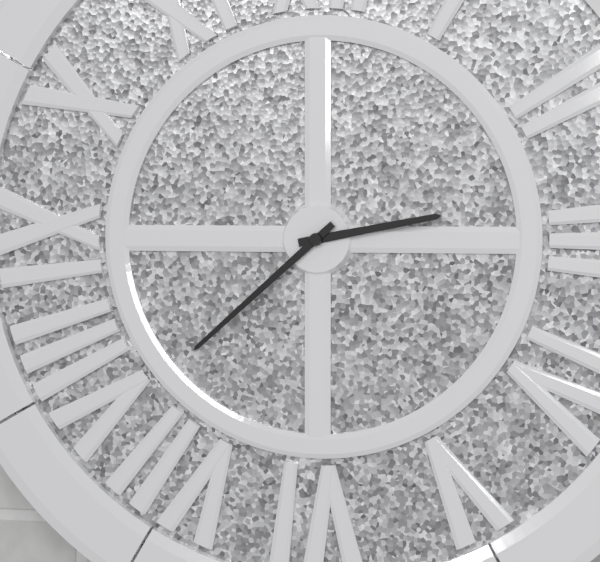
{"hour": 2, "minute": 38}
